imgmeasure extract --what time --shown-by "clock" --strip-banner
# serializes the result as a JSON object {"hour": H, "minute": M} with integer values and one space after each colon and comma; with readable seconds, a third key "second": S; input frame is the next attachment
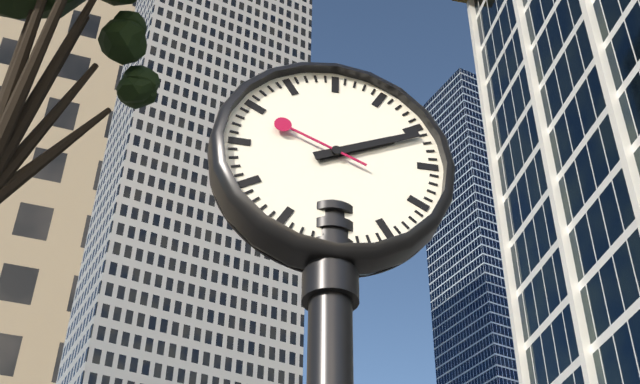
{"hour": 2, "minute": 11, "second": 49}
